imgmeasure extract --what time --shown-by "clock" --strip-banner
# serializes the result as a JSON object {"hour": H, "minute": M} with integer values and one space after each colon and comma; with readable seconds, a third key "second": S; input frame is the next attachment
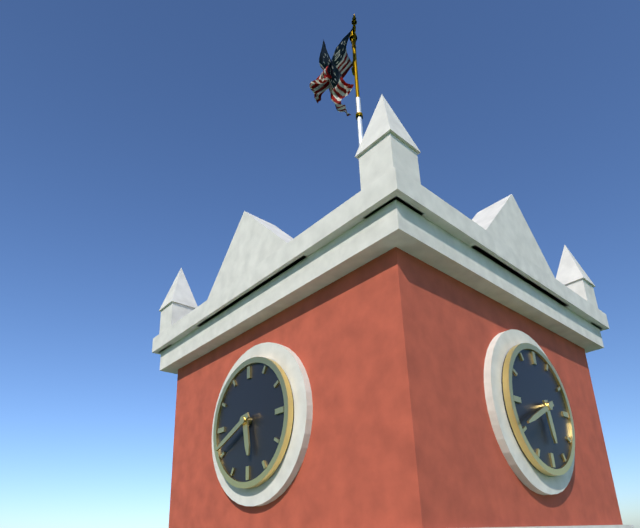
{"hour": 5, "minute": 41}
